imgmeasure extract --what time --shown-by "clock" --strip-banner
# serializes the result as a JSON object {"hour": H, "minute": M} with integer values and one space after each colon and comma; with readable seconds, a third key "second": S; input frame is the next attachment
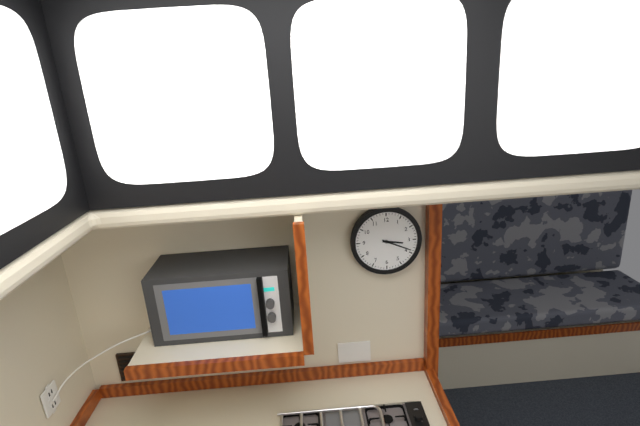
{"hour": 3, "minute": 19}
